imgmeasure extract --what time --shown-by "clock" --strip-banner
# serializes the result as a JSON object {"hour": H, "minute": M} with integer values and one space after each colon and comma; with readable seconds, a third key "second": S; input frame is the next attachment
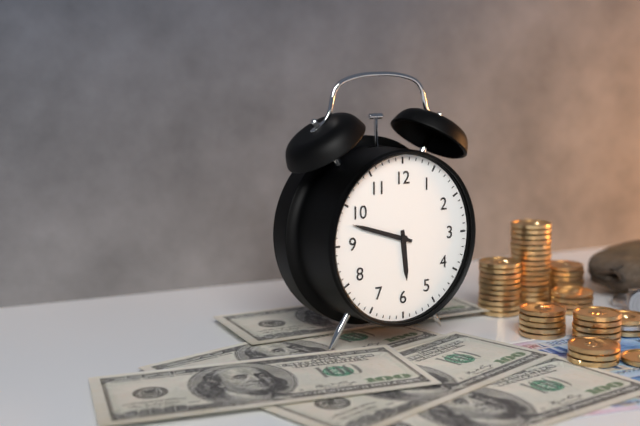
{"hour": 5, "minute": 48}
